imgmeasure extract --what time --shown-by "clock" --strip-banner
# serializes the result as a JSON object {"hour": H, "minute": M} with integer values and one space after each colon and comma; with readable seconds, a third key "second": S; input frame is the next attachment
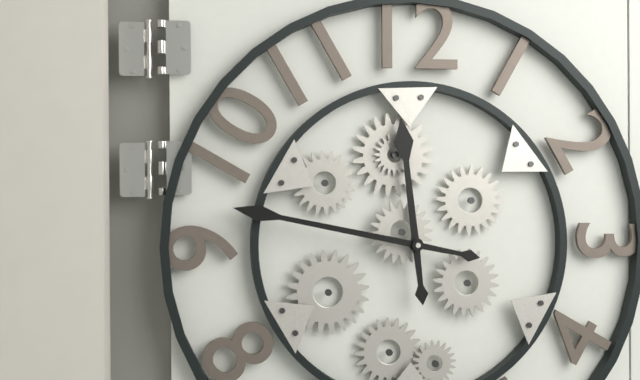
{"hour": 11, "minute": 47}
